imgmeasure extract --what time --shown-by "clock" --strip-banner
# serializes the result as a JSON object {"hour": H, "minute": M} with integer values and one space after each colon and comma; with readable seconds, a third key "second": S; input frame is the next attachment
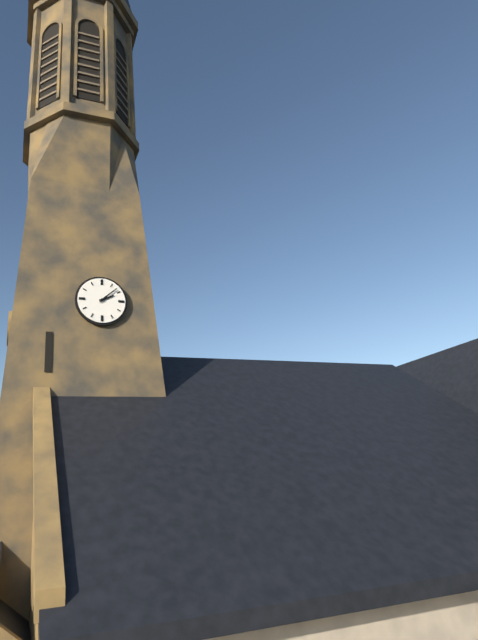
{"hour": 2, "minute": 8}
